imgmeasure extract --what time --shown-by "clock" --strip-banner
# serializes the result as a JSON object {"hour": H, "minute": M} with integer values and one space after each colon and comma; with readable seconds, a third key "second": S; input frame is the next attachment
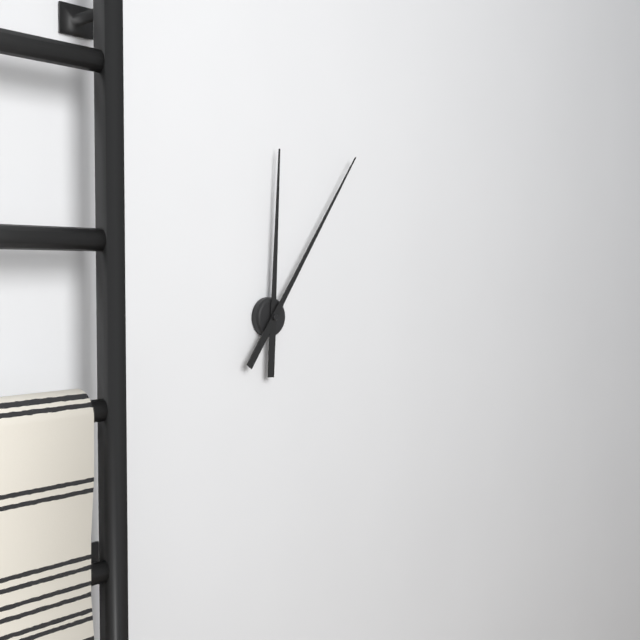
{"hour": 12, "minute": 6}
